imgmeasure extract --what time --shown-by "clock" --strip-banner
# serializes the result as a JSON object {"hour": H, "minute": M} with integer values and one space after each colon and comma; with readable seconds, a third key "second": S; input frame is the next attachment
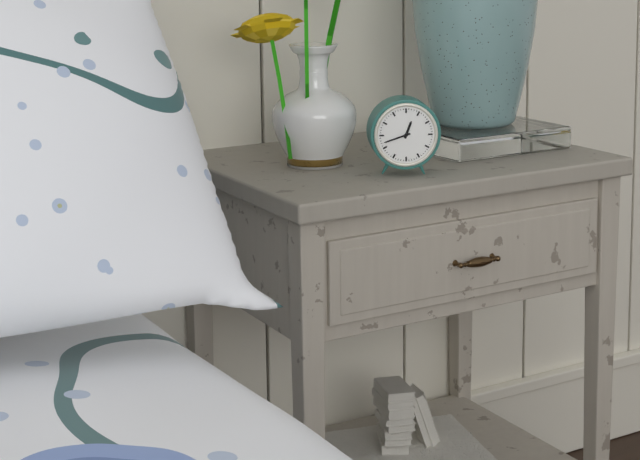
{"hour": 12, "minute": 42}
